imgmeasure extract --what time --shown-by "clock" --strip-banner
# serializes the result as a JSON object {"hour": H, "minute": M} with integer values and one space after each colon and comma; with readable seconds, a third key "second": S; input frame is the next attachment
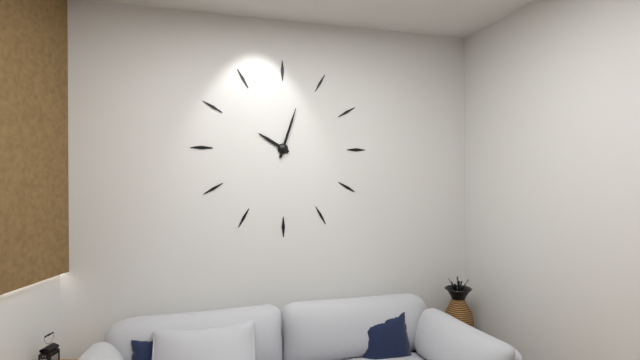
{"hour": 10, "minute": 3}
